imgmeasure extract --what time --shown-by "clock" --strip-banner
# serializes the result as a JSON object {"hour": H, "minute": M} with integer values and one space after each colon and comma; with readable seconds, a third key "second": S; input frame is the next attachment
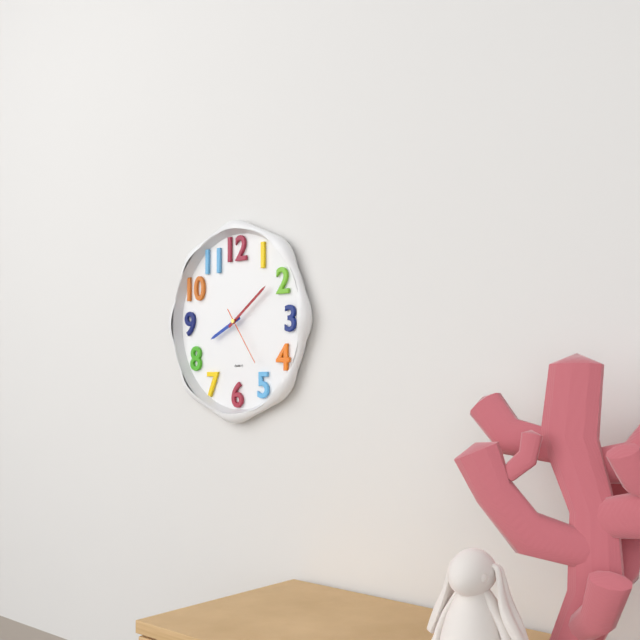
{"hour": 8, "minute": 9, "second": 24}
